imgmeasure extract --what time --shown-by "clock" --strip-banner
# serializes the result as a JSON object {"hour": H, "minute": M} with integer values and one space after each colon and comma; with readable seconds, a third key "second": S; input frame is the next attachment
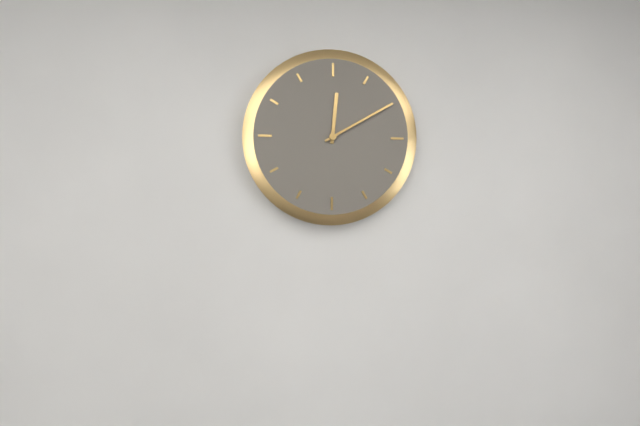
{"hour": 12, "minute": 10}
